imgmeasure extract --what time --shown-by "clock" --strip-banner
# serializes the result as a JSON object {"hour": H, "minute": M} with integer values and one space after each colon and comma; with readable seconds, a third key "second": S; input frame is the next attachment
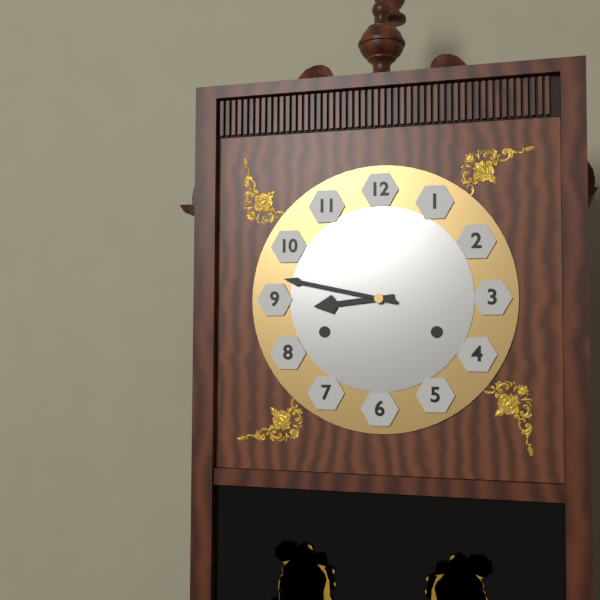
{"hour": 8, "minute": 47}
